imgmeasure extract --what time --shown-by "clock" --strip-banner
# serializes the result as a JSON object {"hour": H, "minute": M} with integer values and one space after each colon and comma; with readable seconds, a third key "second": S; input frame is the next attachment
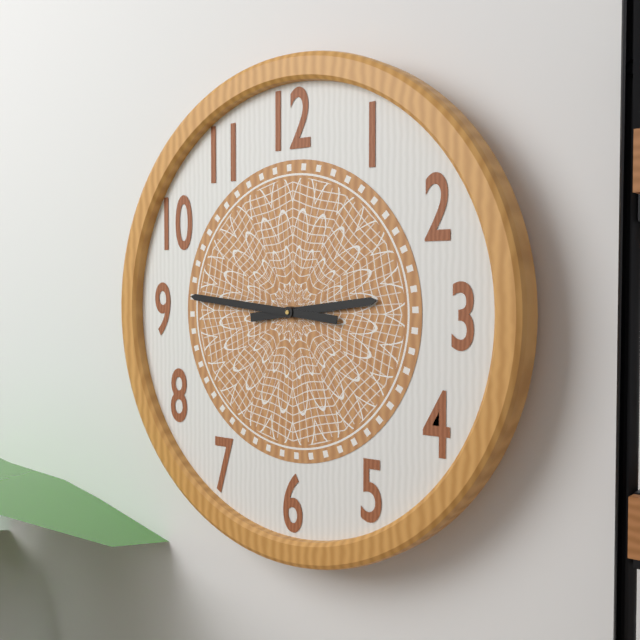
{"hour": 2, "minute": 46}
